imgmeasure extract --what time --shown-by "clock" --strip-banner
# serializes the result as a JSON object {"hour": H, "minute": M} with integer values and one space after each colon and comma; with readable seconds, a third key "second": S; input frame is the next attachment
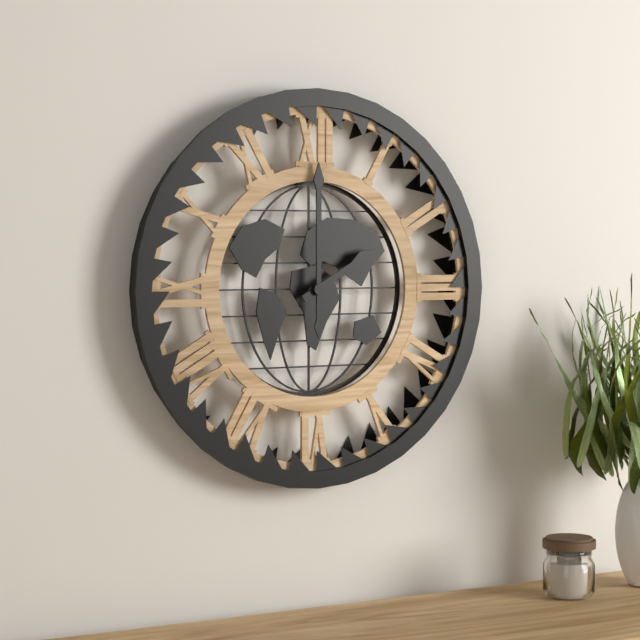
{"hour": 2, "minute": 0}
